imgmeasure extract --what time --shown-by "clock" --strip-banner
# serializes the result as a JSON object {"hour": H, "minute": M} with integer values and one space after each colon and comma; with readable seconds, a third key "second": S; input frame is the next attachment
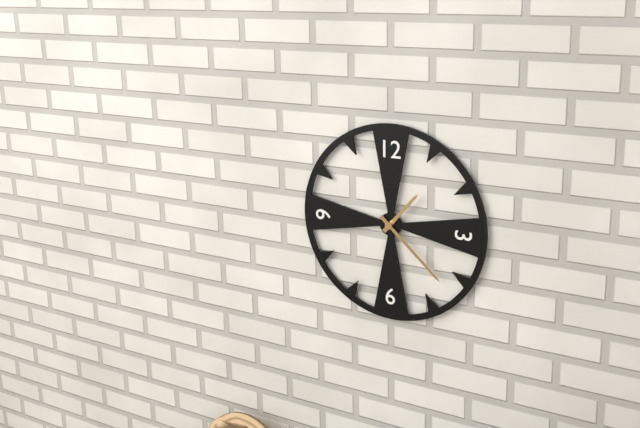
{"hour": 1, "minute": 22}
